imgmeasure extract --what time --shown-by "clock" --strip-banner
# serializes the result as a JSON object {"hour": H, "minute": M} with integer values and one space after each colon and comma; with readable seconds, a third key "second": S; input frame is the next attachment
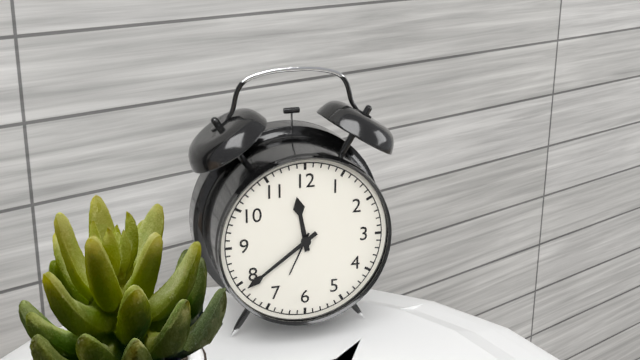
{"hour": 11, "minute": 39}
